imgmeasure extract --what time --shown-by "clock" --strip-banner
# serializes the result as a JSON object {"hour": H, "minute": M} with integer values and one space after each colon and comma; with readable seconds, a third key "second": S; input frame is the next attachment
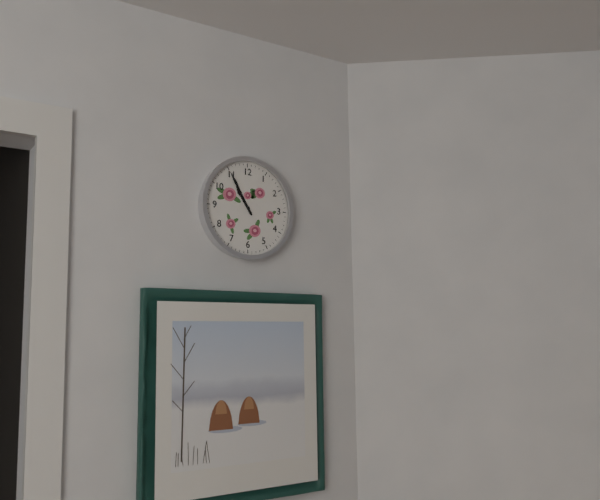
{"hour": 10, "minute": 55}
